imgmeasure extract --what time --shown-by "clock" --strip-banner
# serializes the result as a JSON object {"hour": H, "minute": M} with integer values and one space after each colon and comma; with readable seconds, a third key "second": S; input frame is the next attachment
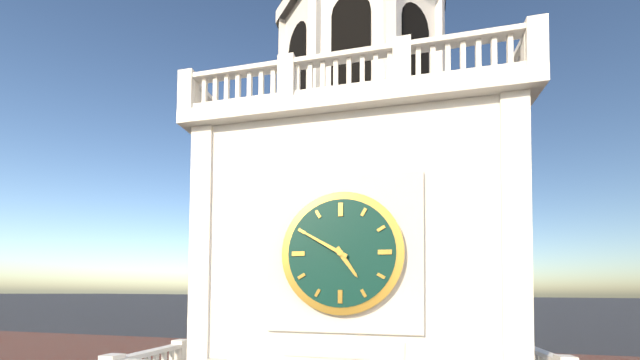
{"hour": 4, "minute": 50}
